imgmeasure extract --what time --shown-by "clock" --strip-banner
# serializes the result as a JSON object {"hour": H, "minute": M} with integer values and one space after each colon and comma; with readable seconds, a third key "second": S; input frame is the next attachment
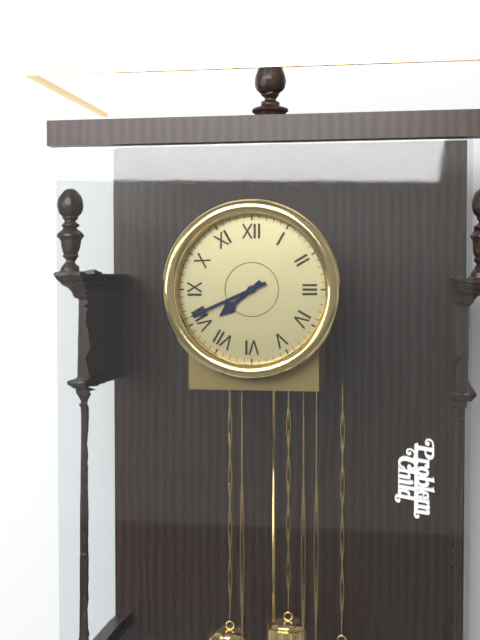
{"hour": 7, "minute": 41}
